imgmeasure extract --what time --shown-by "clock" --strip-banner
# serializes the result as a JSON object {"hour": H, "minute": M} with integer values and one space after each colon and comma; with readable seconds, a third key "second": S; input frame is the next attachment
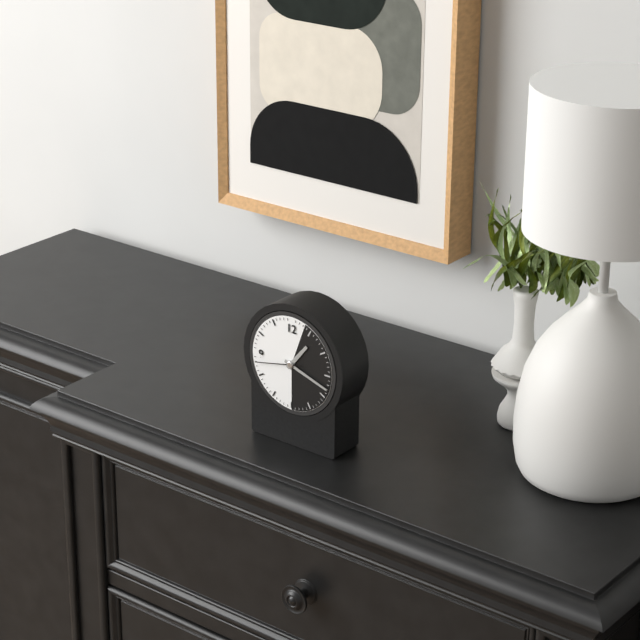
{"hour": 1, "minute": 18}
